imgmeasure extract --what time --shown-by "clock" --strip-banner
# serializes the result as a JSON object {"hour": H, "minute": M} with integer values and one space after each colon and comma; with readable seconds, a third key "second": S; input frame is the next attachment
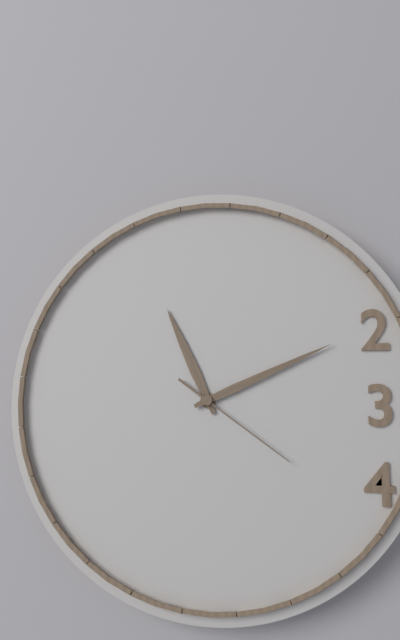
{"hour": 11, "minute": 11, "second": 21}
